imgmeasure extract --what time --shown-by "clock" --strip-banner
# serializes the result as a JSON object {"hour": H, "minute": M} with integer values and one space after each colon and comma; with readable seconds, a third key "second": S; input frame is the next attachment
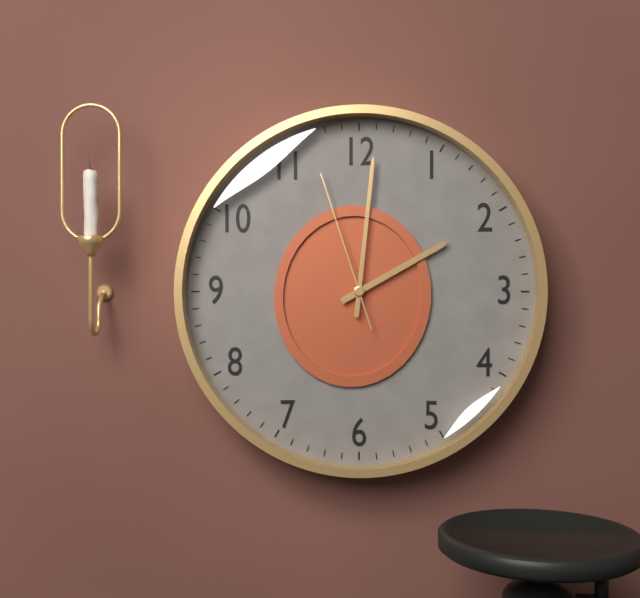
{"hour": 2, "minute": 1, "second": 57}
